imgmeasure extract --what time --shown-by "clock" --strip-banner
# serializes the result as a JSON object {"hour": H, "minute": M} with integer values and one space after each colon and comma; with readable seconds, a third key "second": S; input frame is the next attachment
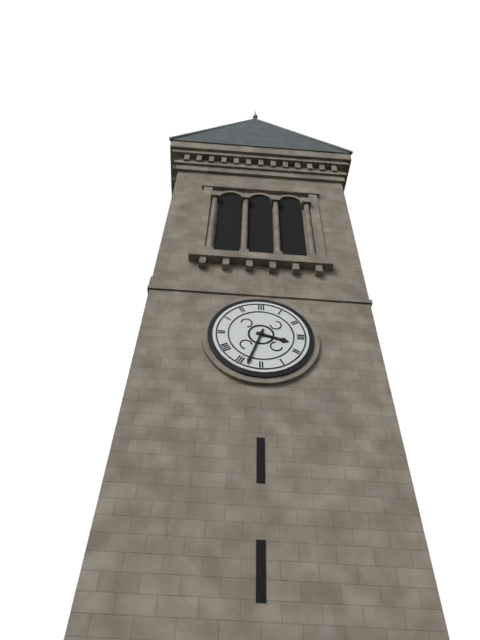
{"hour": 3, "minute": 33}
